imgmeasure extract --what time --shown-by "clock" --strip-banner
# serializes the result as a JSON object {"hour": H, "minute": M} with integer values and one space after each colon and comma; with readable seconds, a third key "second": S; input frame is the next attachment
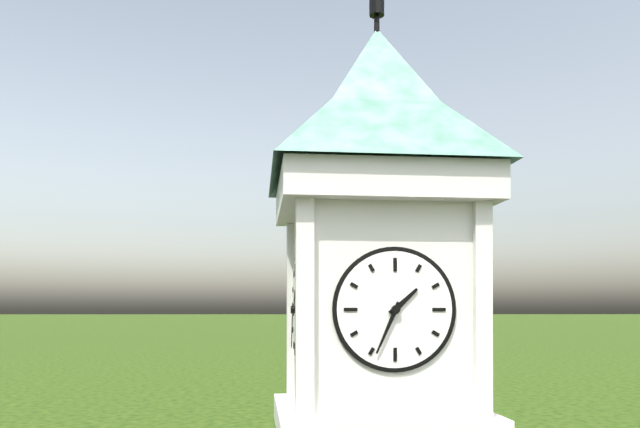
{"hour": 1, "minute": 34}
